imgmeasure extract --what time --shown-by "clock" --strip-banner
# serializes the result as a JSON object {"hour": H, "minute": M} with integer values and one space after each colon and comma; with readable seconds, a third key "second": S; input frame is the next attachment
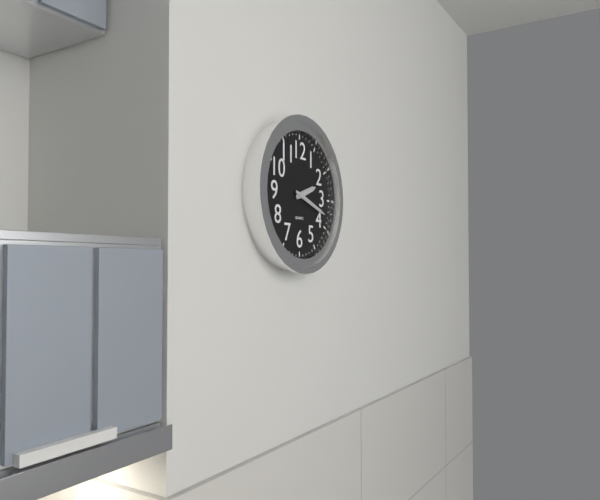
{"hour": 2, "minute": 18}
